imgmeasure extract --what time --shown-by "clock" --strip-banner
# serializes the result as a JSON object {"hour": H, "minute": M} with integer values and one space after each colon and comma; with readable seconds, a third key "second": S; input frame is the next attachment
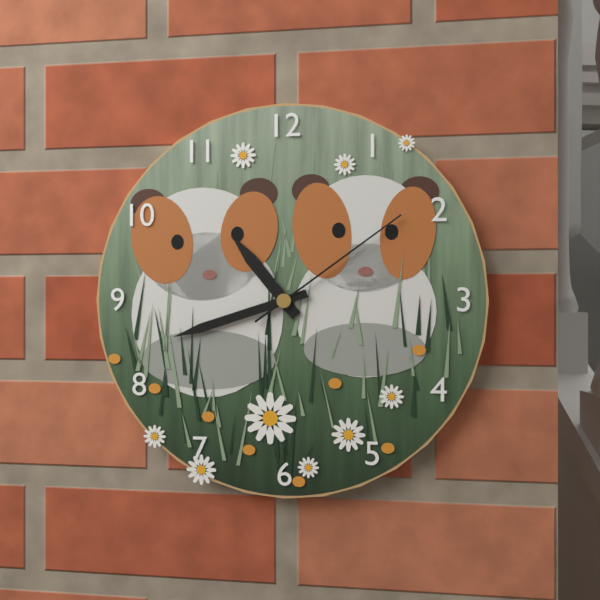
{"hour": 10, "minute": 42, "second": 9}
